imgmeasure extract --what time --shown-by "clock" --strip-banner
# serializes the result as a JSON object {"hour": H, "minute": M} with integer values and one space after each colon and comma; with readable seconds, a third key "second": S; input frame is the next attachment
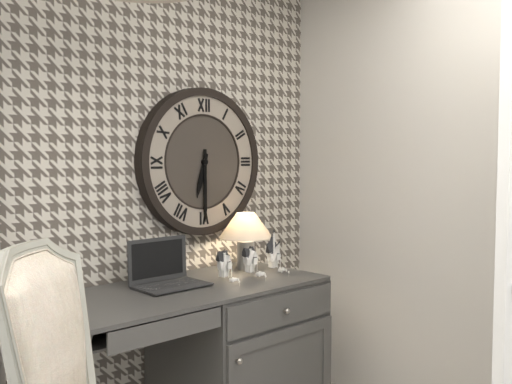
{"hour": 6, "minute": 30}
